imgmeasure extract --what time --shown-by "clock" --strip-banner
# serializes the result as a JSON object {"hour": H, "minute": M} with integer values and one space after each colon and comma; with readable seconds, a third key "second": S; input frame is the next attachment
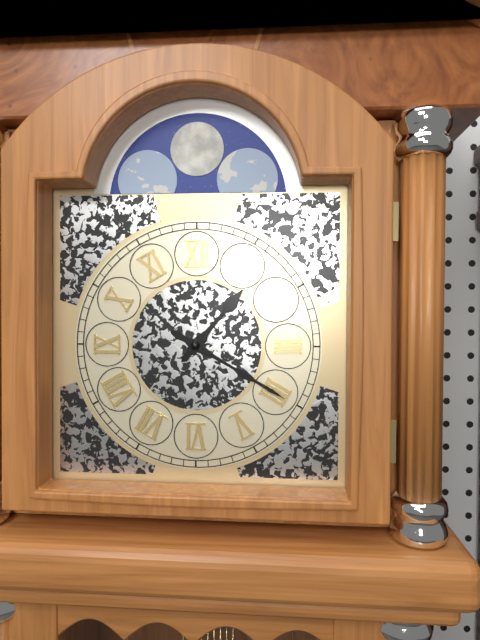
{"hour": 1, "minute": 20}
